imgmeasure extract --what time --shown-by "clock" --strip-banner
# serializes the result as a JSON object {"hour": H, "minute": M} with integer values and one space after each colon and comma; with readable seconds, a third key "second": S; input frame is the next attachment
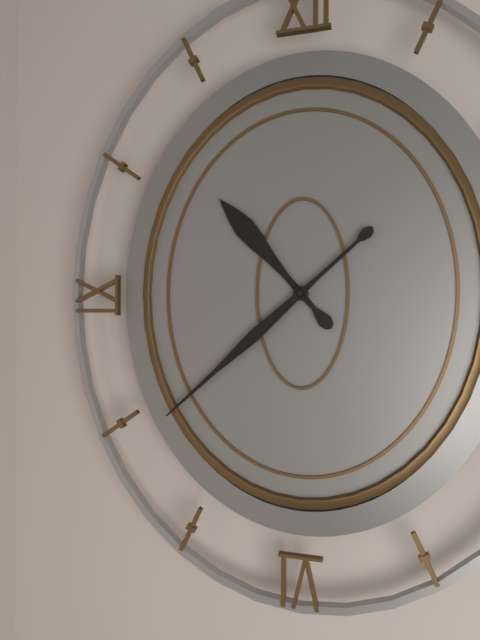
{"hour": 10, "minute": 38}
